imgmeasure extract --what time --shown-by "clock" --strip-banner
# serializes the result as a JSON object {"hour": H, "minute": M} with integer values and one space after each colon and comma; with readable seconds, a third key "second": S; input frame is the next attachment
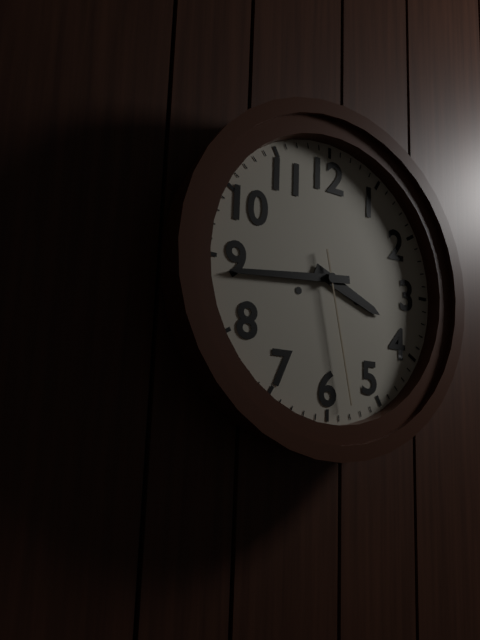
{"hour": 3, "minute": 44, "second": 28}
